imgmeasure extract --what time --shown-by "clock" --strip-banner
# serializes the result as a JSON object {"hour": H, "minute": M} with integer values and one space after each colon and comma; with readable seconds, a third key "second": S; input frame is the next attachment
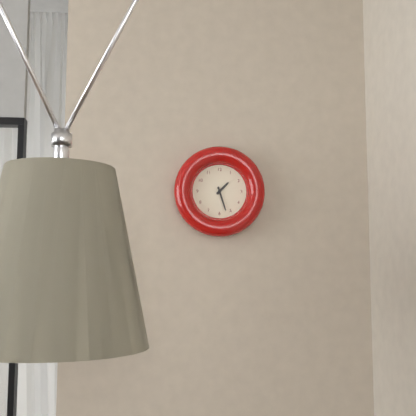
{"hour": 1, "minute": 27}
